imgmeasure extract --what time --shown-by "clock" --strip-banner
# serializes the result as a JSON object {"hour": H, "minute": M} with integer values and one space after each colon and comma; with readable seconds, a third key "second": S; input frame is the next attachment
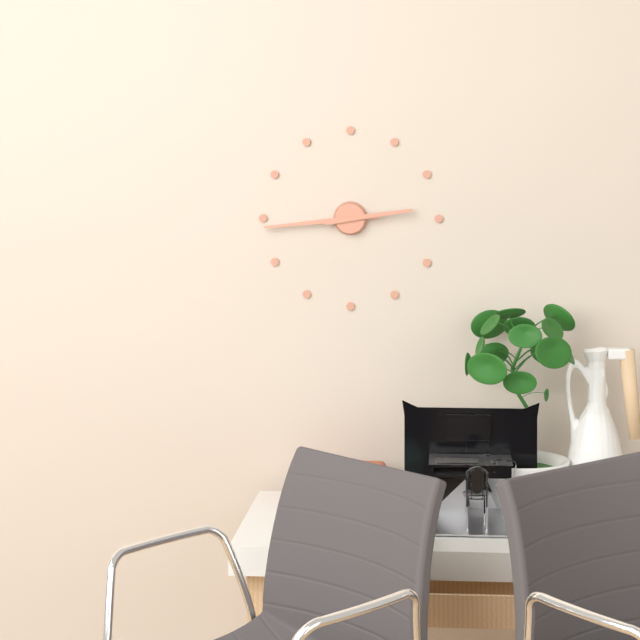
{"hour": 2, "minute": 44}
